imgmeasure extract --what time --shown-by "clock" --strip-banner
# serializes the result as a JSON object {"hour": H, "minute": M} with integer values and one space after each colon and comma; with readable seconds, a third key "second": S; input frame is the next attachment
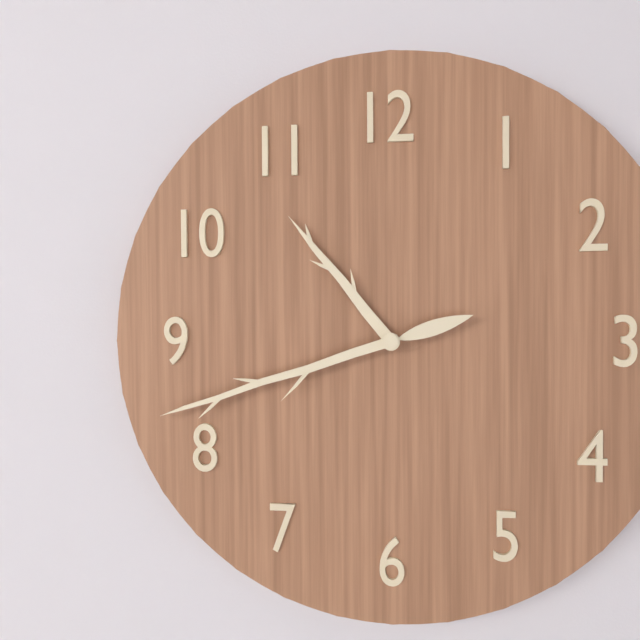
{"hour": 10, "minute": 42}
